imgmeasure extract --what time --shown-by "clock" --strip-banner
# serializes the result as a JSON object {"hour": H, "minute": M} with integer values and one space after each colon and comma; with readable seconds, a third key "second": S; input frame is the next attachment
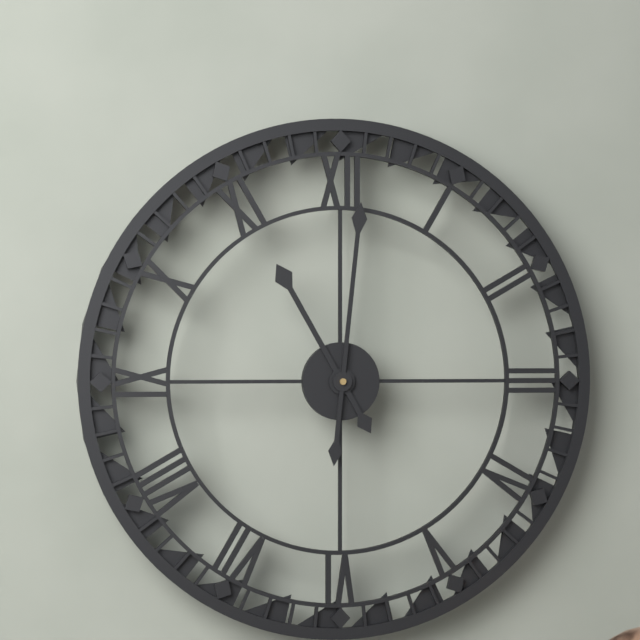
{"hour": 11, "minute": 1}
